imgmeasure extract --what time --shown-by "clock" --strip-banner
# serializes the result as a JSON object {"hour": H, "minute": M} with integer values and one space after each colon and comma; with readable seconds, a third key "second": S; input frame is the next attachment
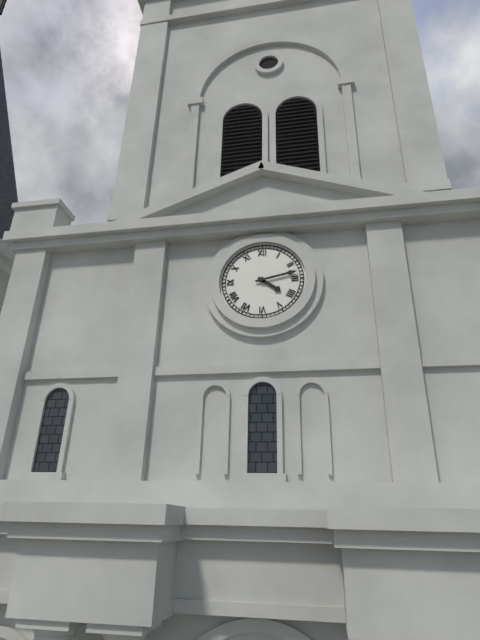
{"hour": 4, "minute": 13}
